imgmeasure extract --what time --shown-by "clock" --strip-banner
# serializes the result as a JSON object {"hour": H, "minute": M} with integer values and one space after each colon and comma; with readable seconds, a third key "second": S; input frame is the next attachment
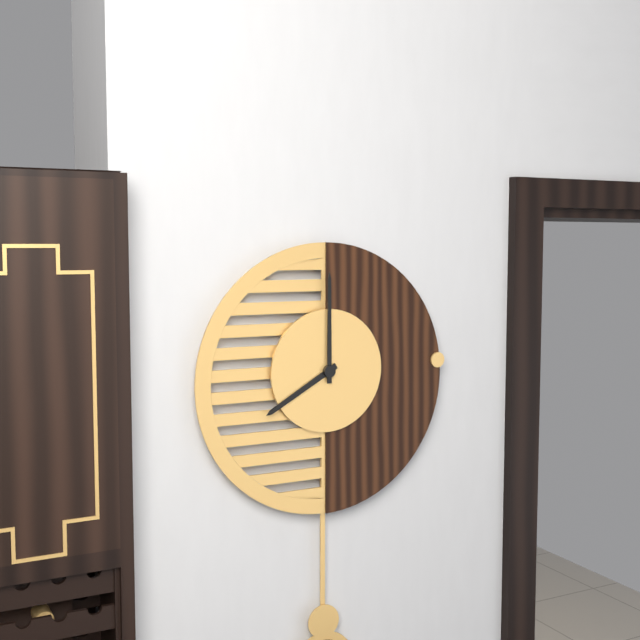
{"hour": 8, "minute": 0}
